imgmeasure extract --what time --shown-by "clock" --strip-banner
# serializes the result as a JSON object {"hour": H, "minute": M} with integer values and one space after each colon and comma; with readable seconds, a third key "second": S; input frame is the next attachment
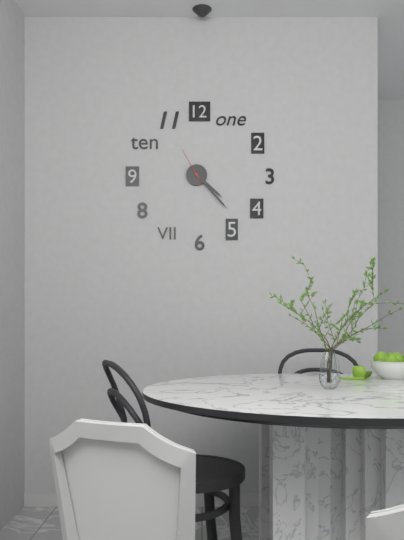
{"hour": 4, "minute": 23}
